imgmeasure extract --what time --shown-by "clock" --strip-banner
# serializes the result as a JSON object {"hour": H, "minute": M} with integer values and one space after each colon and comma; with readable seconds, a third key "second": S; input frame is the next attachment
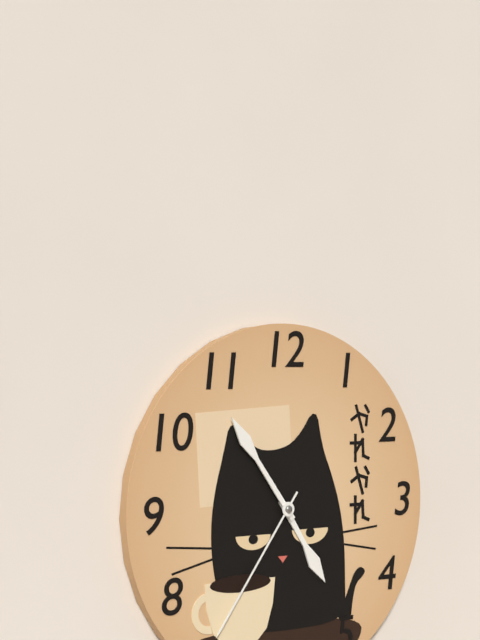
{"hour": 4, "minute": 54, "second": 36}
